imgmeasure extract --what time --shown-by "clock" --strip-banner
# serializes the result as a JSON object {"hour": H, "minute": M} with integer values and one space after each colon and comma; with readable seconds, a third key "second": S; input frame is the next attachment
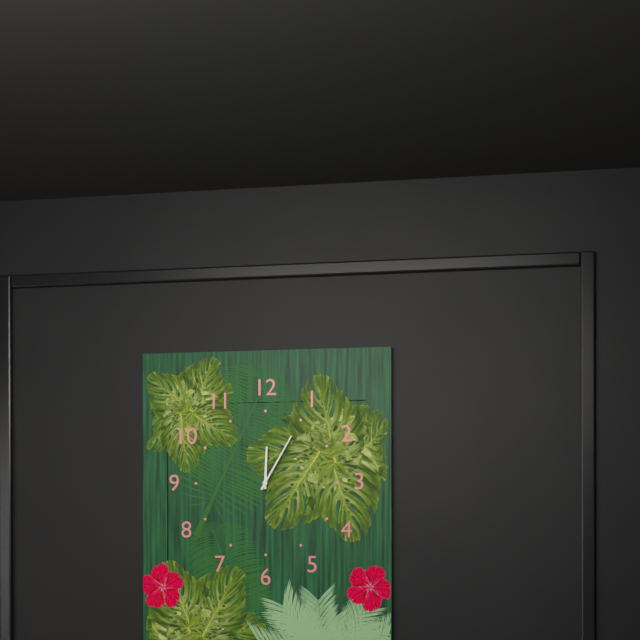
{"hour": 12, "minute": 5}
